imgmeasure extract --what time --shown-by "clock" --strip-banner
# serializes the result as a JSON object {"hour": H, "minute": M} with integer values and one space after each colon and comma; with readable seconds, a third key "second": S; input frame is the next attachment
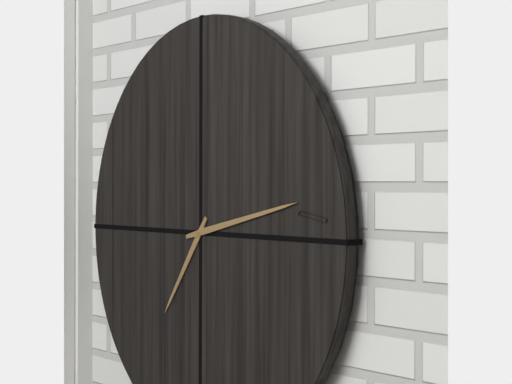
{"hour": 7, "minute": 13}
